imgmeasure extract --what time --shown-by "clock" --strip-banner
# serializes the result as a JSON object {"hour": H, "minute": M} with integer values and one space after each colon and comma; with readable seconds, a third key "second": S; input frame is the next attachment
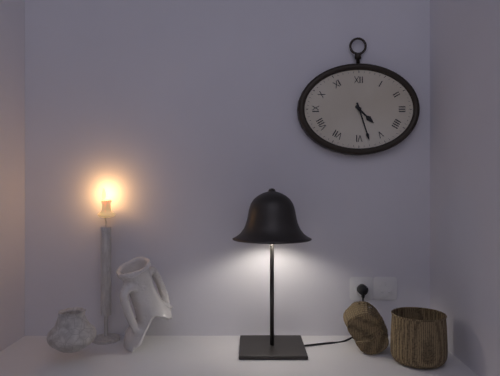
{"hour": 4, "minute": 27}
